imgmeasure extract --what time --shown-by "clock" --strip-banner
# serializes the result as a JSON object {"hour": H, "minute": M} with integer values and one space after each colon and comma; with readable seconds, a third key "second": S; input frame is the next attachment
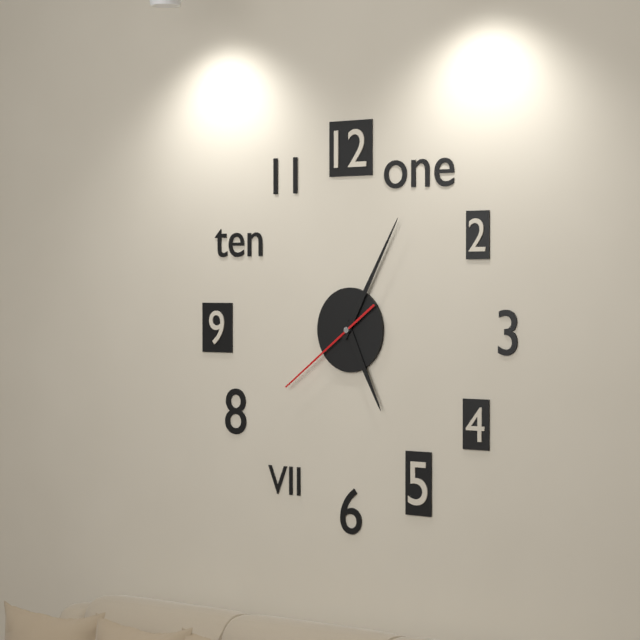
{"hour": 5, "minute": 5, "second": 39}
